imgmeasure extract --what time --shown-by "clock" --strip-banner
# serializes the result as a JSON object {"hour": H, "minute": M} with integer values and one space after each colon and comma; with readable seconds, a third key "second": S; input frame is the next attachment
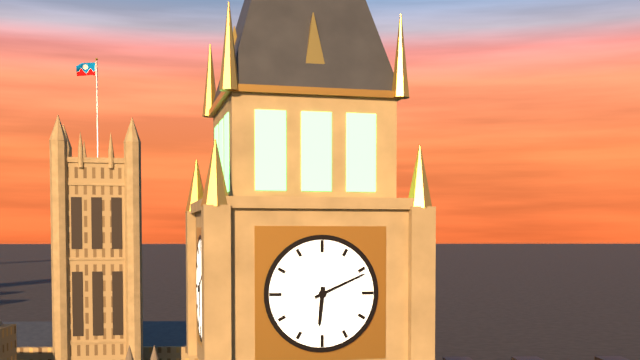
{"hour": 6, "minute": 11}
